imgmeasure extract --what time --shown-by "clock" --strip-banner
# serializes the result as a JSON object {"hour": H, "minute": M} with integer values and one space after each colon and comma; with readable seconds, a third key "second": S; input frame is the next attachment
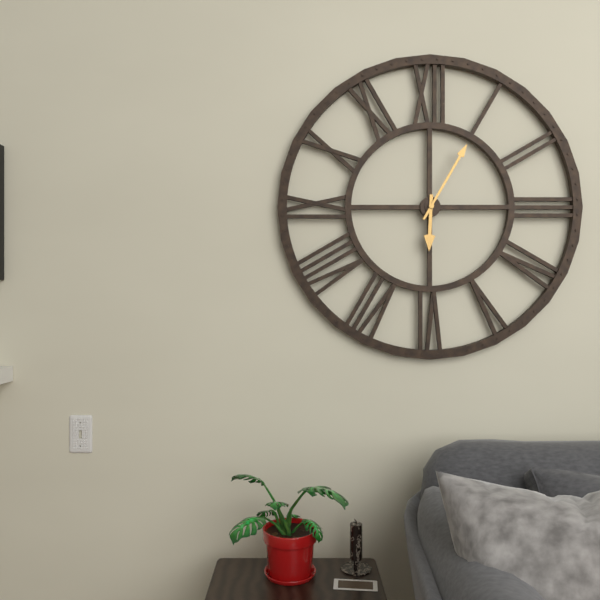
{"hour": 6, "minute": 5}
